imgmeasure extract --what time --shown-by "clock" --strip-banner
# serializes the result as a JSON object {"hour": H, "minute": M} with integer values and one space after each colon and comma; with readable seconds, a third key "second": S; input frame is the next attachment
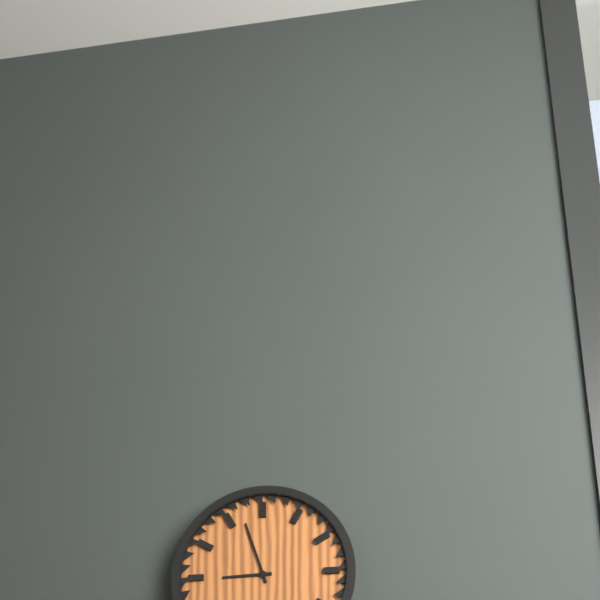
{"hour": 8, "minute": 57}
